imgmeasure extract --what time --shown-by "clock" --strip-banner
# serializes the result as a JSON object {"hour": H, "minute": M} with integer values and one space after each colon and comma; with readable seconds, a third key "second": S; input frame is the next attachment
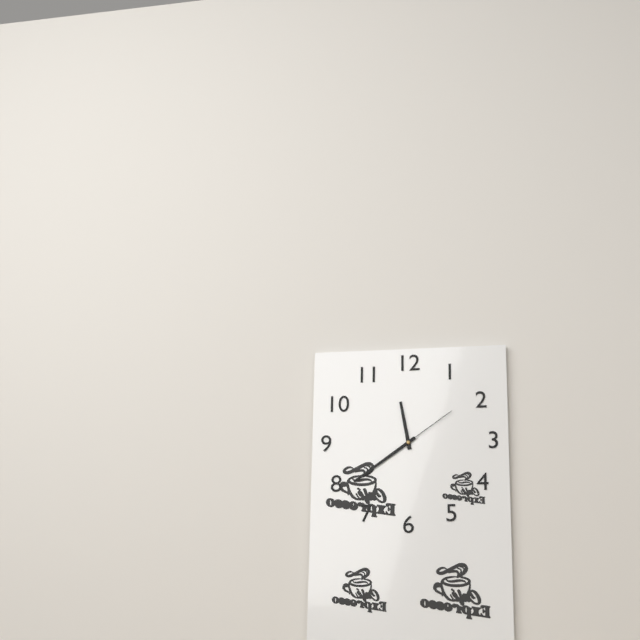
{"hour": 11, "minute": 39, "second": 9}
